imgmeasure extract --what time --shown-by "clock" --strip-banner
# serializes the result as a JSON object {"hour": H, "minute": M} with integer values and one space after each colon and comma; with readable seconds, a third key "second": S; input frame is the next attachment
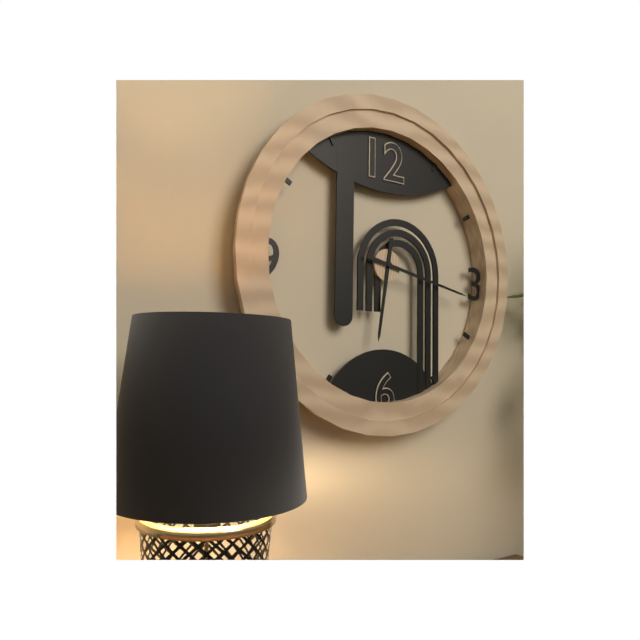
{"hour": 6, "minute": 17}
